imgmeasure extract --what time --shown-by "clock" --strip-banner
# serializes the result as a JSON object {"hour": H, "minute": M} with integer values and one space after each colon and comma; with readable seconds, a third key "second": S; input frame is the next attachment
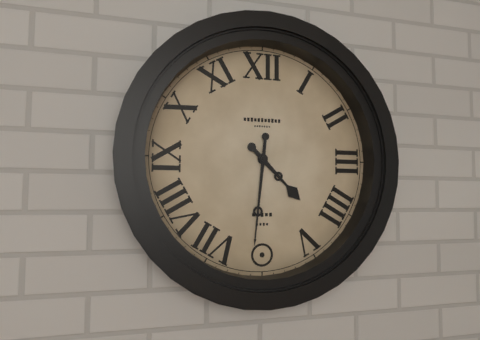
{"hour": 4, "minute": 31}
